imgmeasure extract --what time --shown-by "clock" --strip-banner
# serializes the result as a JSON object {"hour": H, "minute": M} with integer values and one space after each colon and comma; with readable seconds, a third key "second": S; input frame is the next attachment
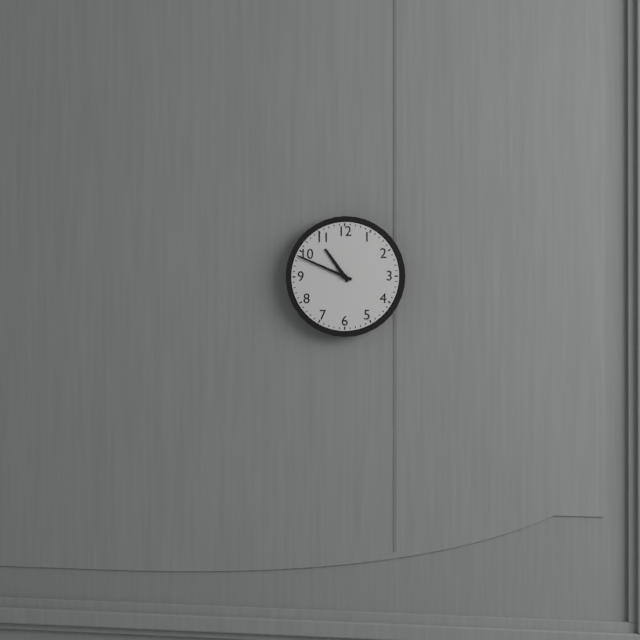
{"hour": 10, "minute": 49}
